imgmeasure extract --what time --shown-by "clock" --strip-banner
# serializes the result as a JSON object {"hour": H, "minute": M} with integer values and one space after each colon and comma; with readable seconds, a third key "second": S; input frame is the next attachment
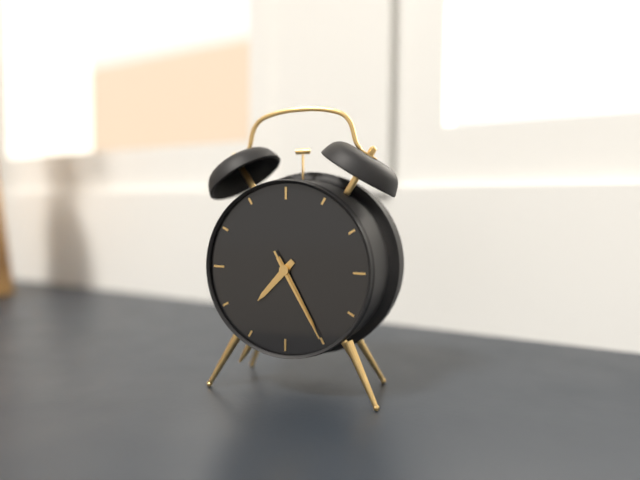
{"hour": 7, "minute": 25, "second": 25}
